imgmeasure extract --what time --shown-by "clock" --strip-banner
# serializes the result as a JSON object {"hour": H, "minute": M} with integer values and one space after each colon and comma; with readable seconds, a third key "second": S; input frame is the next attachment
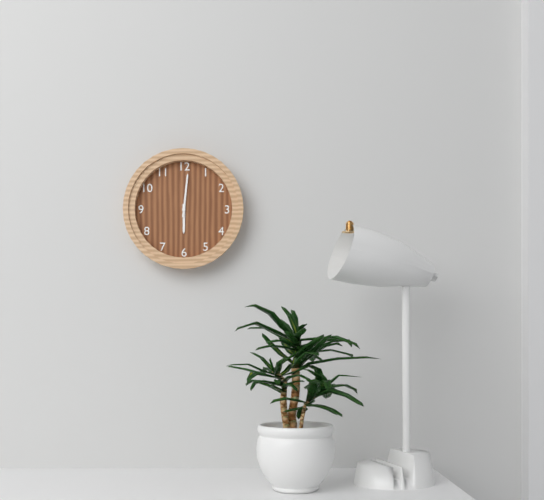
{"hour": 6, "minute": 1}
